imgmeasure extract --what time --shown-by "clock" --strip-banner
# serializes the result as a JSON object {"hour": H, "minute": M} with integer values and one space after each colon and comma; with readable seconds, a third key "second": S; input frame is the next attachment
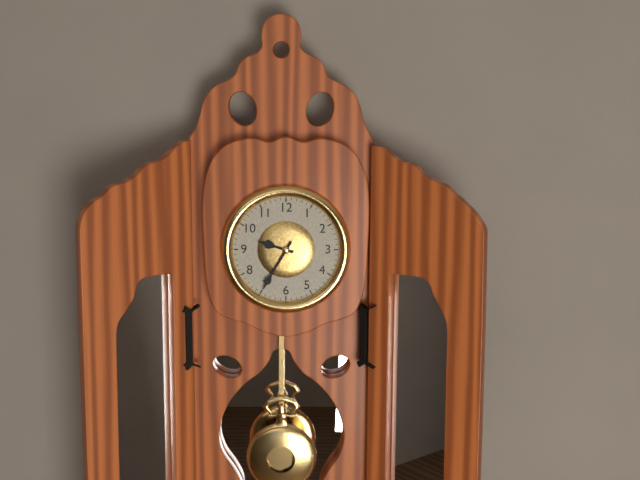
{"hour": 9, "minute": 35}
